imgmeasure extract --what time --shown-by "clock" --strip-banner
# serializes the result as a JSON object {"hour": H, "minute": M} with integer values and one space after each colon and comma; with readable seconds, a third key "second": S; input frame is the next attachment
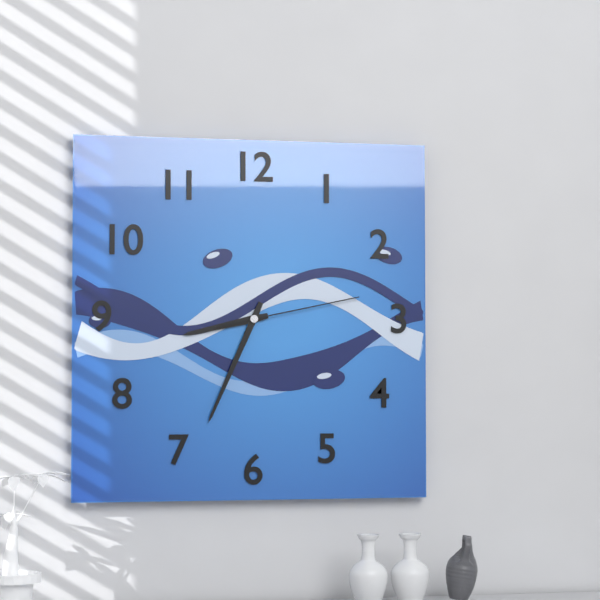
{"hour": 8, "minute": 34, "second": 13}
